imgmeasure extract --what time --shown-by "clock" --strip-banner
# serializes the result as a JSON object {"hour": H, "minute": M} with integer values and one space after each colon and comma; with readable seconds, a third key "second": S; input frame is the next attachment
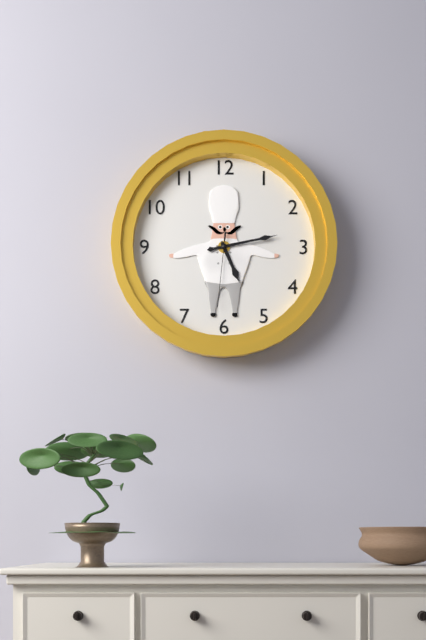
{"hour": 5, "minute": 13, "second": 31}
